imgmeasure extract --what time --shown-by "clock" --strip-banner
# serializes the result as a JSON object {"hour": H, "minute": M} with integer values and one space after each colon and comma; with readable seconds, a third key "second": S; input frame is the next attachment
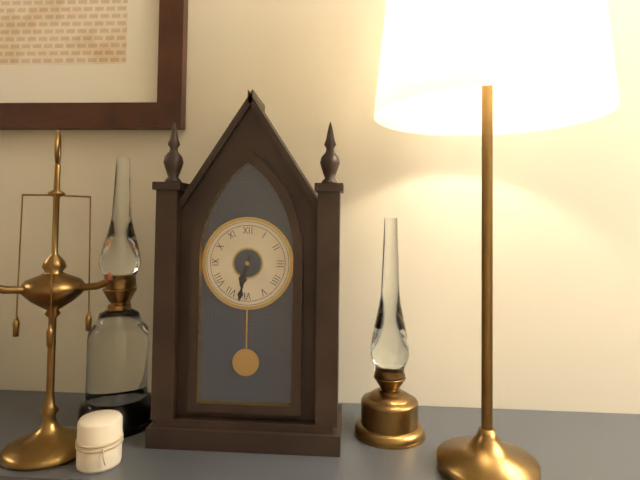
{"hour": 6, "minute": 32}
